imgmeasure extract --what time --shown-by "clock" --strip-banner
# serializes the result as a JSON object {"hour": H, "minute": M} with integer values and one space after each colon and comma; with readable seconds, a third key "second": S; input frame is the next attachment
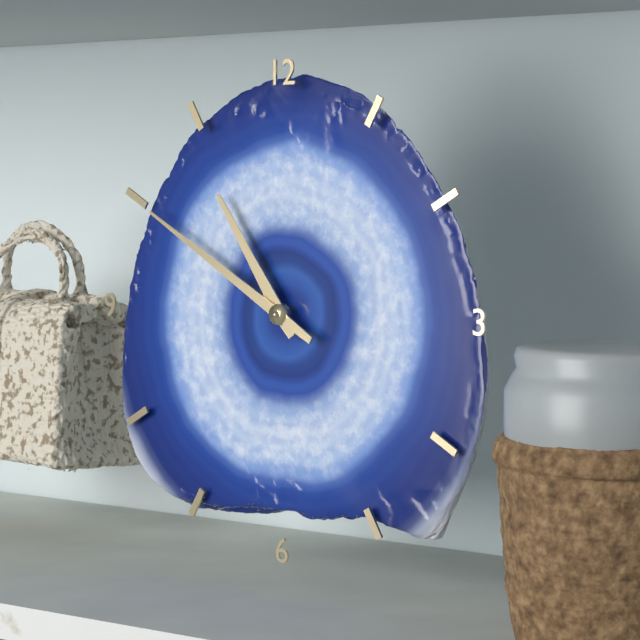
{"hour": 10, "minute": 50}
